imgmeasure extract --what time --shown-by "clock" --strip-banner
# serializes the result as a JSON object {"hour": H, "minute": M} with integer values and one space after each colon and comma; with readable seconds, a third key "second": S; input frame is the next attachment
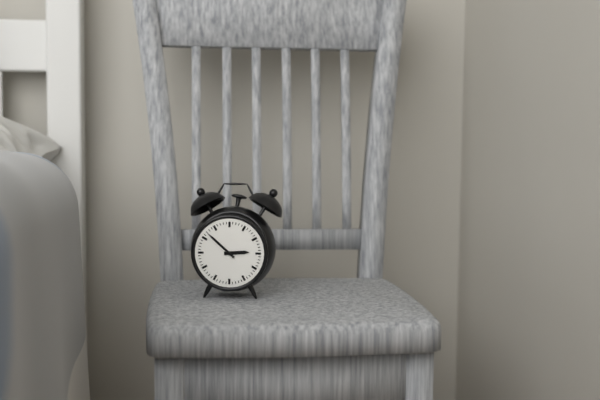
{"hour": 2, "minute": 52}
